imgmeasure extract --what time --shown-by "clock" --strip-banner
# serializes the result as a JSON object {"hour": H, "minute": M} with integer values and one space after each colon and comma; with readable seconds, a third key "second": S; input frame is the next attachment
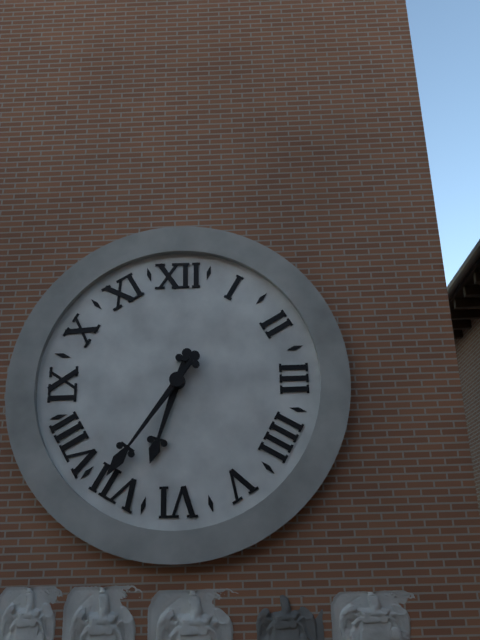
{"hour": 6, "minute": 36}
